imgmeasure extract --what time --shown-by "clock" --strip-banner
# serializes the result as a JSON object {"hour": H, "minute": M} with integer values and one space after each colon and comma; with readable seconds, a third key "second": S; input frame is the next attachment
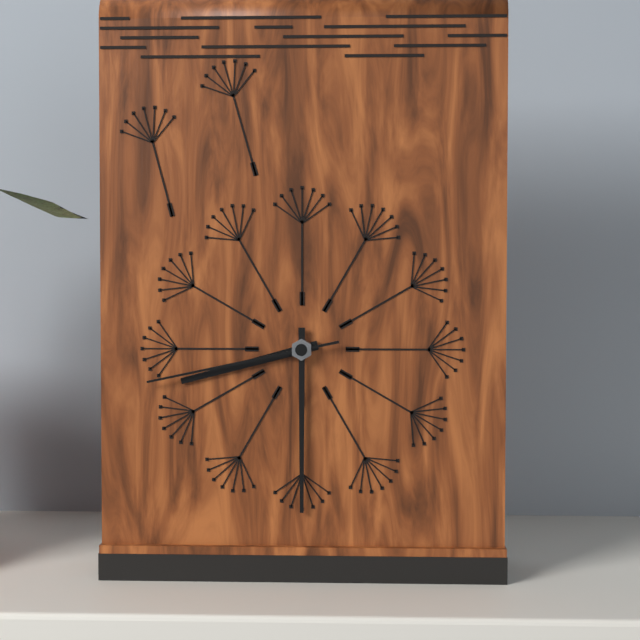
{"hour": 8, "minute": 30, "second": 43}
